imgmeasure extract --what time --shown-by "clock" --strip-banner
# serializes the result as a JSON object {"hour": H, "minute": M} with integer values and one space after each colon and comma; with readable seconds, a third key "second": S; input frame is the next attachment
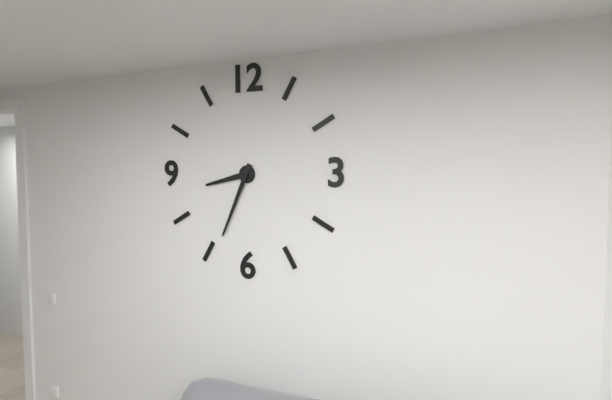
{"hour": 8, "minute": 34}
